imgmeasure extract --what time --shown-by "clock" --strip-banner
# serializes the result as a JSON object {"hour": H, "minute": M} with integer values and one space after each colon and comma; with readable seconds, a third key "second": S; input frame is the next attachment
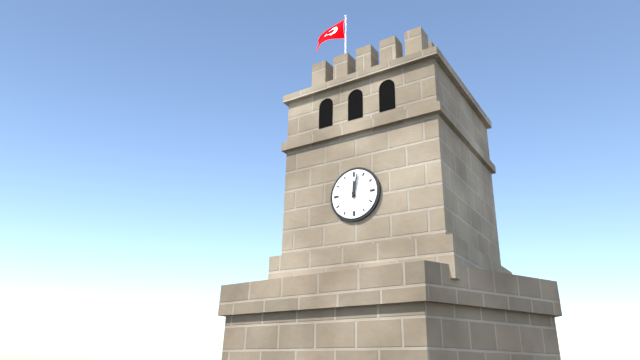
{"hour": 12, "minute": 2}
